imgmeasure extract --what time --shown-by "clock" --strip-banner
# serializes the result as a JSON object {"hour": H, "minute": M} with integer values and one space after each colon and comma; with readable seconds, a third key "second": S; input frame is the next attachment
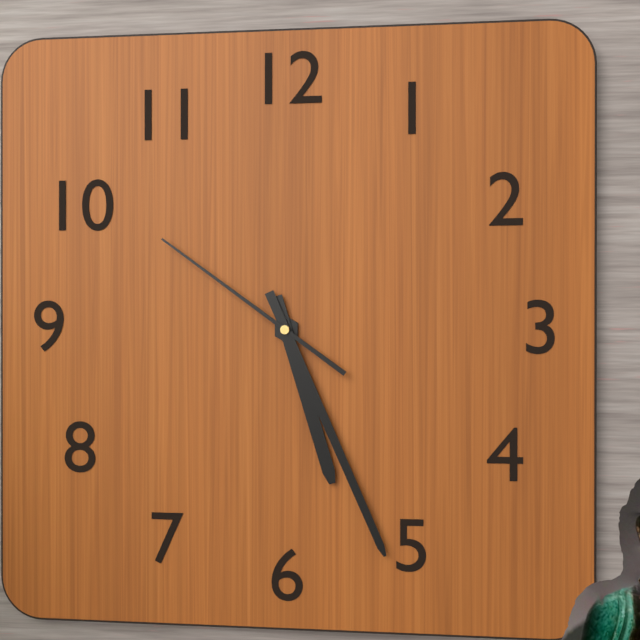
{"hour": 5, "minute": 26, "second": 51}
